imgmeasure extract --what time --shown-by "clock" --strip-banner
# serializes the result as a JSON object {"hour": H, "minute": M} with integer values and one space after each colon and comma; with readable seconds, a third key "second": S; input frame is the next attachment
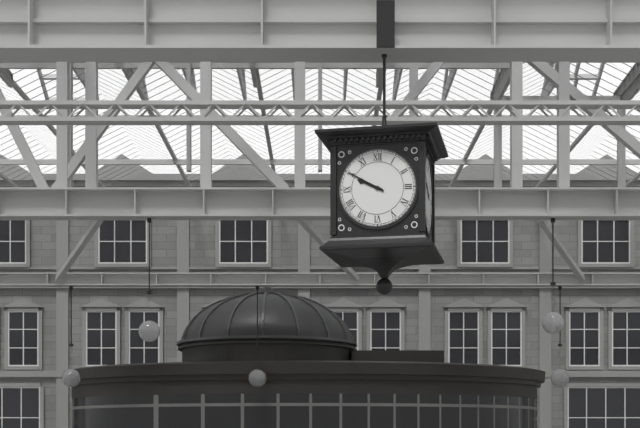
{"hour": 9, "minute": 50}
